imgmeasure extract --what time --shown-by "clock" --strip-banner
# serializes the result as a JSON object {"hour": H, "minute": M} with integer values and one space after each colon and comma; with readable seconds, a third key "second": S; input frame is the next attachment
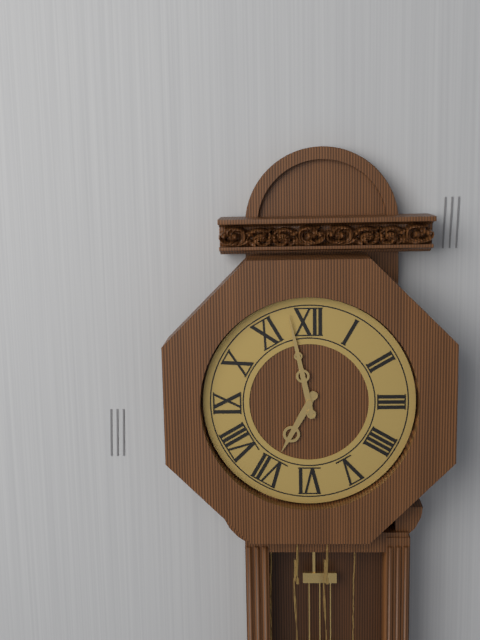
{"hour": 6, "minute": 58}
